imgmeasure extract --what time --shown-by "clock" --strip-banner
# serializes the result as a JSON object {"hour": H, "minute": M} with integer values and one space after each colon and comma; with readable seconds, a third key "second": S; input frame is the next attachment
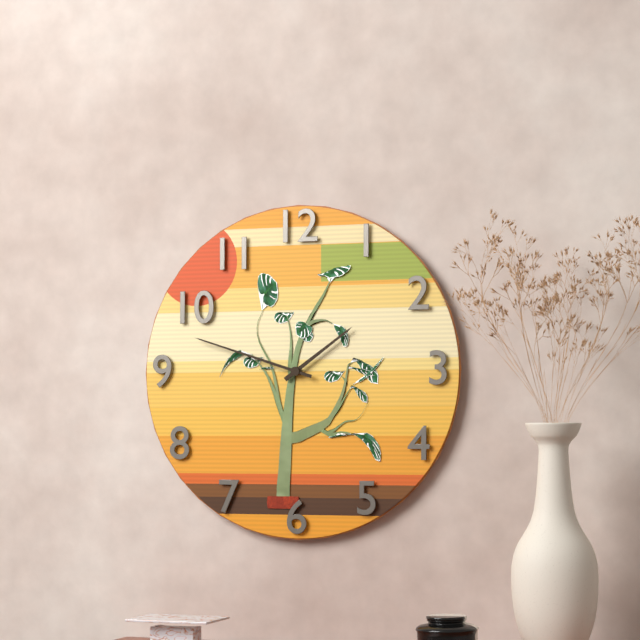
{"hour": 1, "minute": 48}
